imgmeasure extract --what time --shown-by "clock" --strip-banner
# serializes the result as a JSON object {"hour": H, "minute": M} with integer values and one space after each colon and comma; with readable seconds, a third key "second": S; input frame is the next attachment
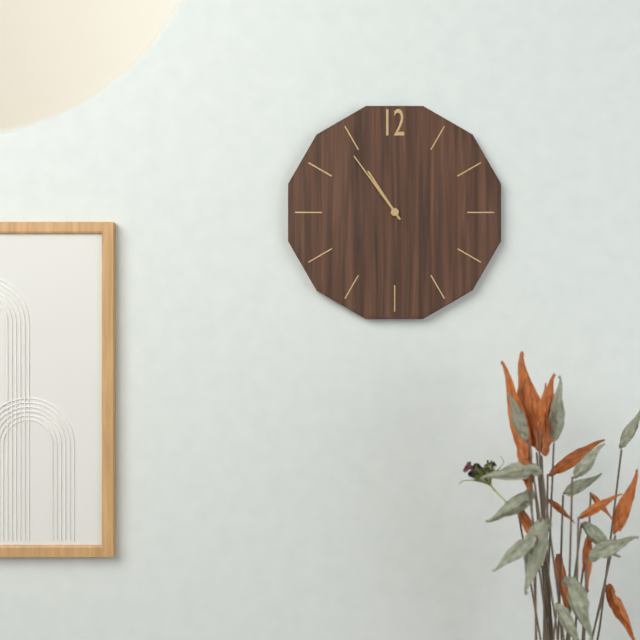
{"hour": 10, "minute": 54}
